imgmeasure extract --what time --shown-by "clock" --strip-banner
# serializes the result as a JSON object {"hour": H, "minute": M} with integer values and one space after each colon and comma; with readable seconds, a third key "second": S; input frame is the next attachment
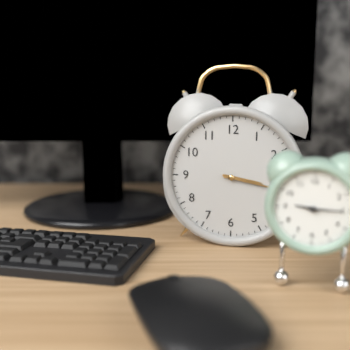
{"hour": 3, "minute": 17}
